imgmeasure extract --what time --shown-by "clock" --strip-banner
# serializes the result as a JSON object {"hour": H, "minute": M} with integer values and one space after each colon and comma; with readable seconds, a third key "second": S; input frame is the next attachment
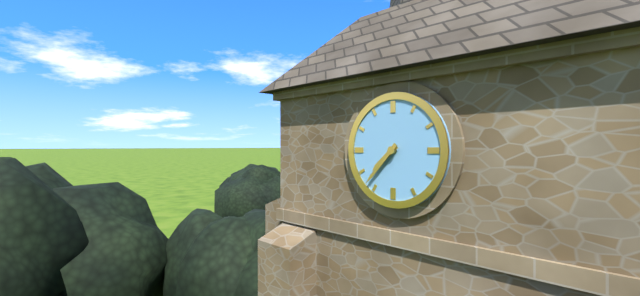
{"hour": 7, "minute": 37}
